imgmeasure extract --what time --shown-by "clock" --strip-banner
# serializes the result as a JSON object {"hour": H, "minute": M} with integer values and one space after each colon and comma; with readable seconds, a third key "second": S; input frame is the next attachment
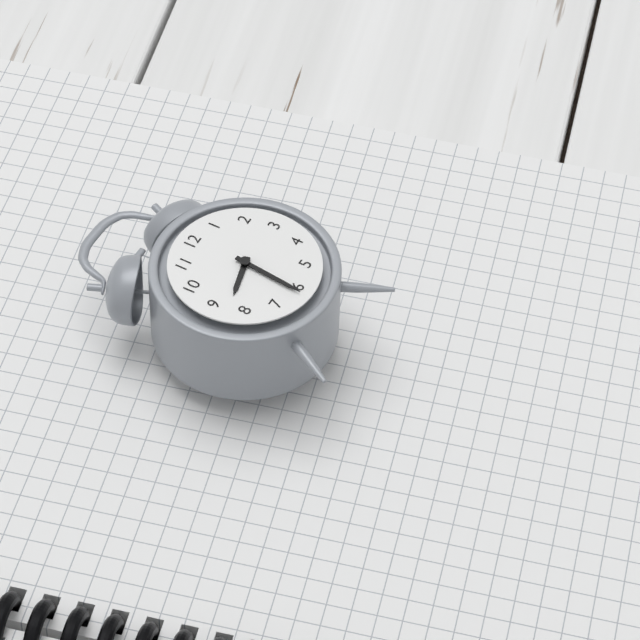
{"hour": 8, "minute": 31}
